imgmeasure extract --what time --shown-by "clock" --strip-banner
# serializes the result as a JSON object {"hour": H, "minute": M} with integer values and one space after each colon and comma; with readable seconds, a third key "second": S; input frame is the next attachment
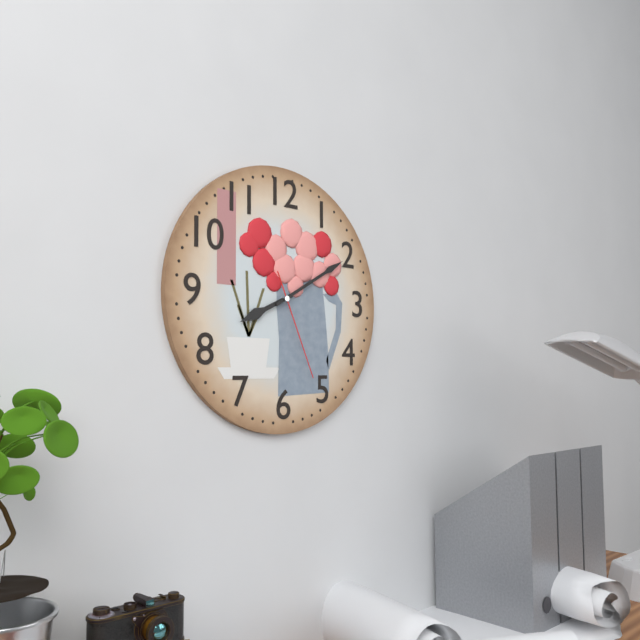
{"hour": 8, "minute": 10, "second": 26}
